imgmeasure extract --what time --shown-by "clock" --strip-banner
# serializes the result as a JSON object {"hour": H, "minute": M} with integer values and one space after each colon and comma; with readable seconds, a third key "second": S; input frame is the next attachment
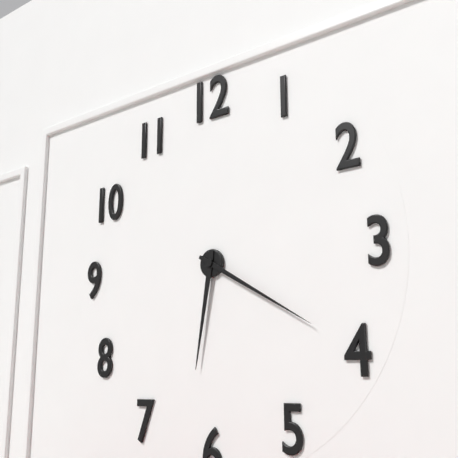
{"hour": 6, "minute": 20}
